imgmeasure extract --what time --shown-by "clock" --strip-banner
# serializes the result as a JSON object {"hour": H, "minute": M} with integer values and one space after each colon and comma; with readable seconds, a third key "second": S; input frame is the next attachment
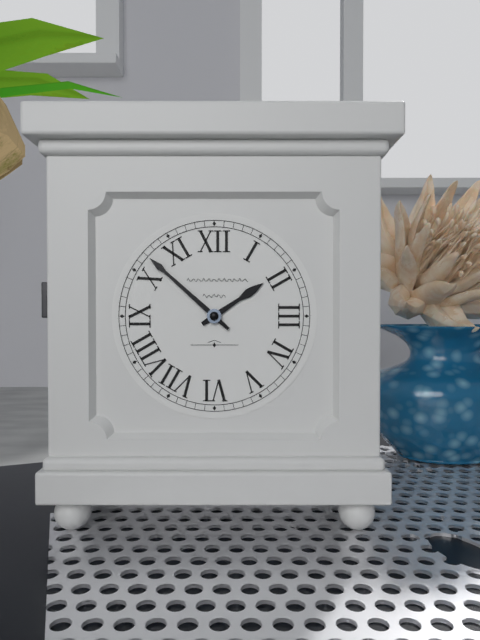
{"hour": 1, "minute": 52}
